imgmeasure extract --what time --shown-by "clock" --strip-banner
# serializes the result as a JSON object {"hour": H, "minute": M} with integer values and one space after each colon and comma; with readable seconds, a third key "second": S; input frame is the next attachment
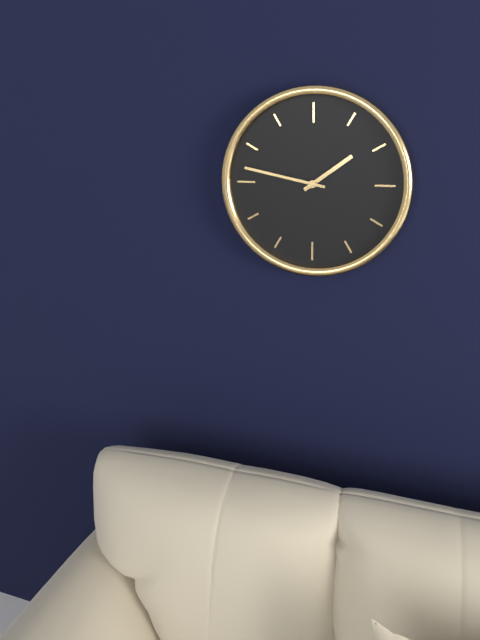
{"hour": 1, "minute": 47}
